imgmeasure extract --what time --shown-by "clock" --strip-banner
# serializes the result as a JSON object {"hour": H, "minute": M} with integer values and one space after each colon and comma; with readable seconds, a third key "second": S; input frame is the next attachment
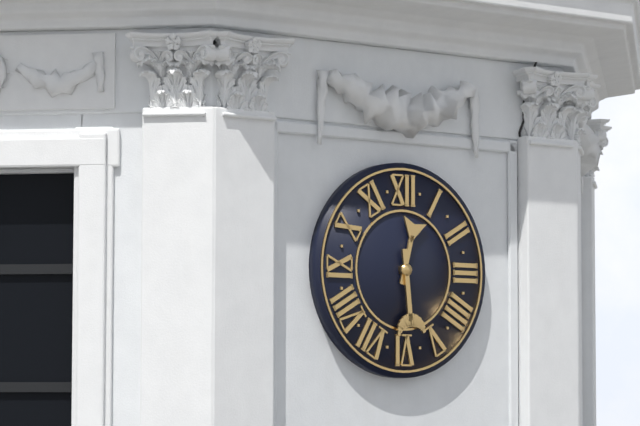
{"hour": 12, "minute": 29}
